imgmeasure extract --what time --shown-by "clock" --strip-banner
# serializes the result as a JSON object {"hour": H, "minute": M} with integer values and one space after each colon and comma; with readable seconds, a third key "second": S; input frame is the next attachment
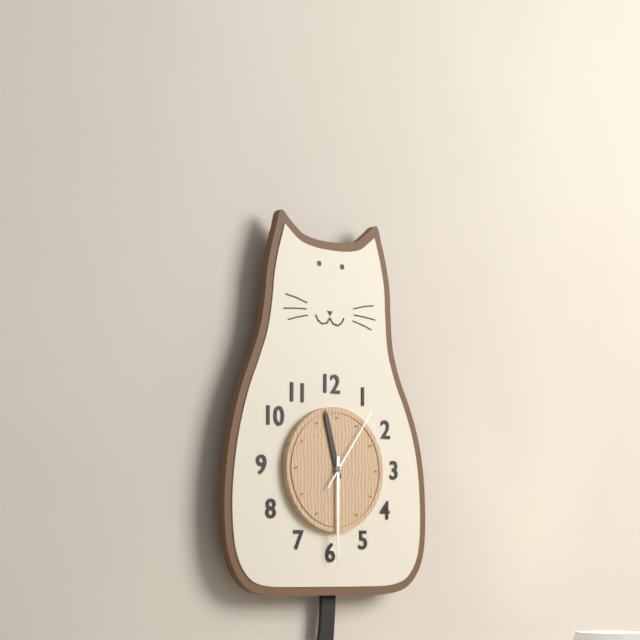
{"hour": 11, "minute": 30, "second": 6}
